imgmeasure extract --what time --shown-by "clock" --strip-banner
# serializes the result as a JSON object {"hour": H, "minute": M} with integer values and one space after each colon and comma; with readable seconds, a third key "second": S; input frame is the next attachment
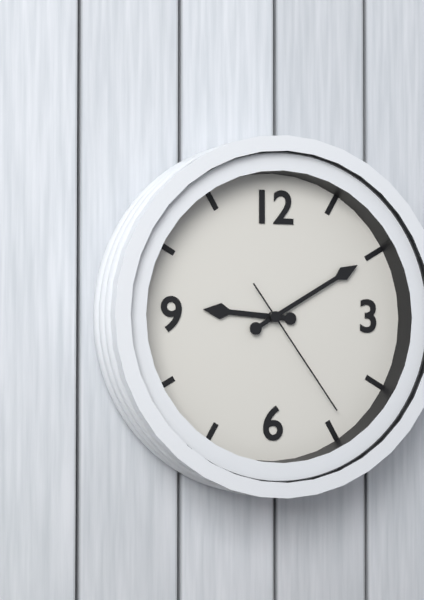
{"hour": 9, "minute": 10, "second": 24}
